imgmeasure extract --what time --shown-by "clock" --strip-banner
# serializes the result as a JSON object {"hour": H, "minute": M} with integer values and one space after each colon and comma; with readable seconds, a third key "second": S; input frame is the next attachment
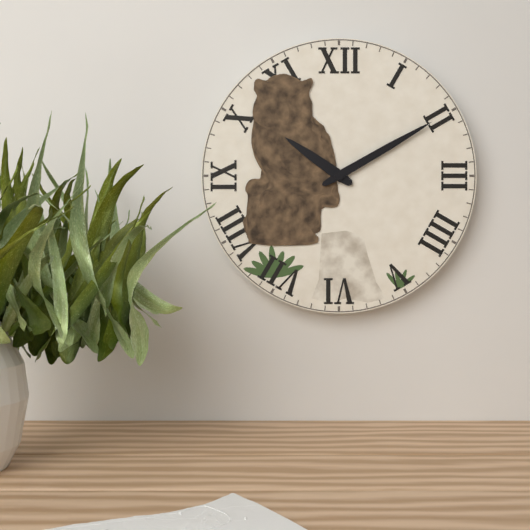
{"hour": 10, "minute": 10}
